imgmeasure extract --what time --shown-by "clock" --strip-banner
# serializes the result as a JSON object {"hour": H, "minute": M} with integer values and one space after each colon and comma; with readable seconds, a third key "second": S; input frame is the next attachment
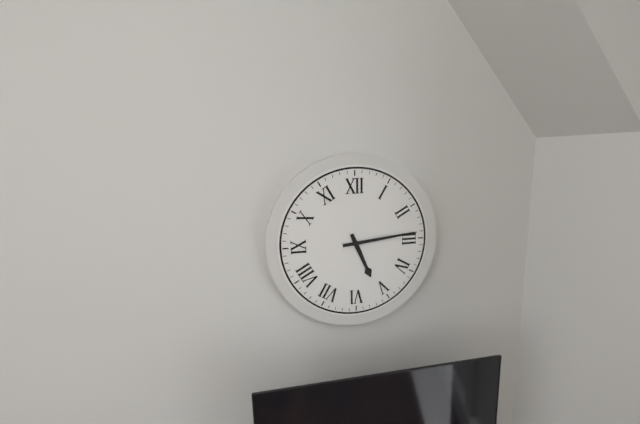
{"hour": 5, "minute": 14}
